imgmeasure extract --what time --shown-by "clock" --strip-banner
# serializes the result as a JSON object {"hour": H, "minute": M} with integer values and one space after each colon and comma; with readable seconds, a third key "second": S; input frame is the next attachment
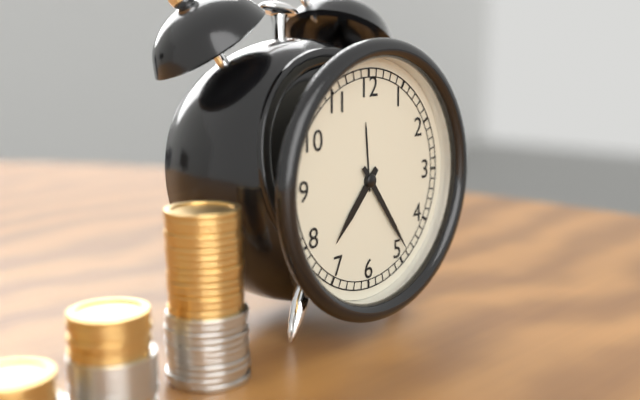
{"hour": 7, "minute": 24}
